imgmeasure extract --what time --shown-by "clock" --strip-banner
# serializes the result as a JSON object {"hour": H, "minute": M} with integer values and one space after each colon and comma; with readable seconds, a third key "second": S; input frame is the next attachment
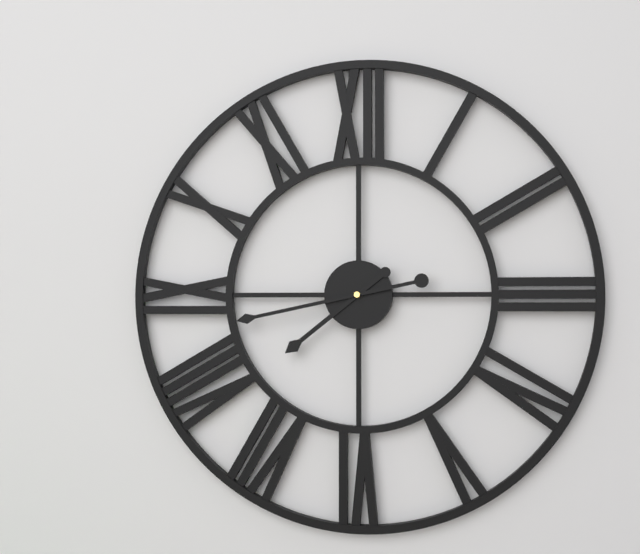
{"hour": 7, "minute": 43}
